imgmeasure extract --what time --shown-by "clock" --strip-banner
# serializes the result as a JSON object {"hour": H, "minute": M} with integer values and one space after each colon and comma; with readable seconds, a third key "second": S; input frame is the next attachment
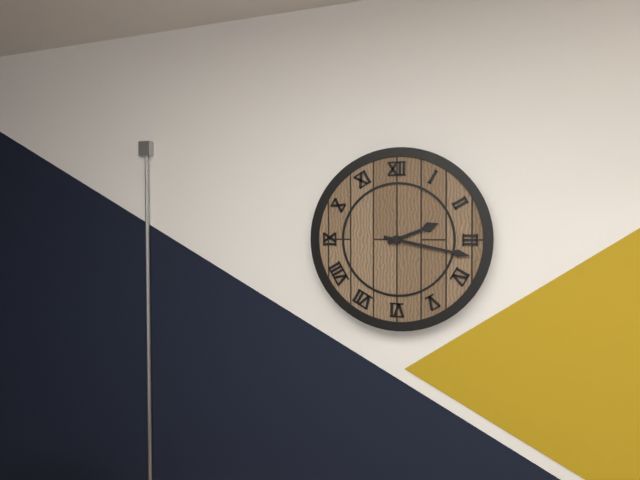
{"hour": 2, "minute": 17}
